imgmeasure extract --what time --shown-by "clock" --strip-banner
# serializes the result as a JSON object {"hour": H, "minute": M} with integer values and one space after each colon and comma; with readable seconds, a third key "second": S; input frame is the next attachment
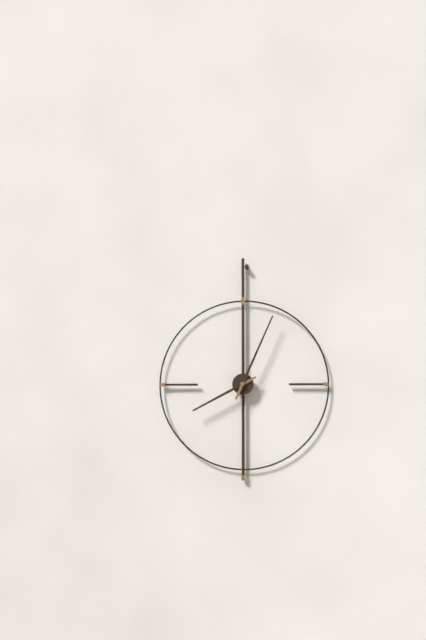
{"hour": 8, "minute": 4}
